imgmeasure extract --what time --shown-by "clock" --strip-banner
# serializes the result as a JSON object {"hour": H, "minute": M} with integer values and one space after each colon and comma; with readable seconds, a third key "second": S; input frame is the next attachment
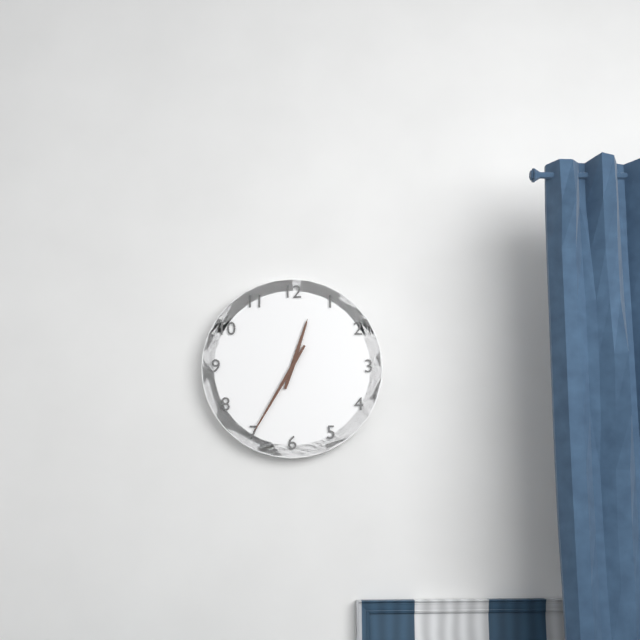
{"hour": 12, "minute": 35}
